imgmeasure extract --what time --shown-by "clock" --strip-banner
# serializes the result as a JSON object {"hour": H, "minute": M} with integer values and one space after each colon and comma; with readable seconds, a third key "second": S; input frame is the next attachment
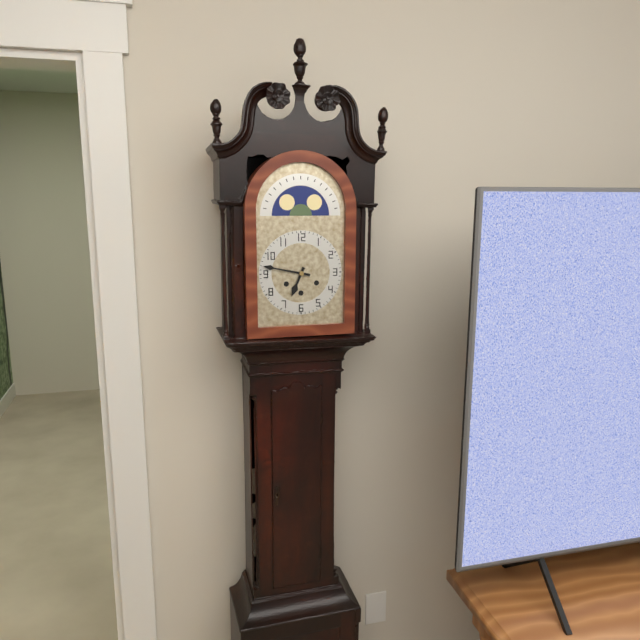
{"hour": 6, "minute": 47}
